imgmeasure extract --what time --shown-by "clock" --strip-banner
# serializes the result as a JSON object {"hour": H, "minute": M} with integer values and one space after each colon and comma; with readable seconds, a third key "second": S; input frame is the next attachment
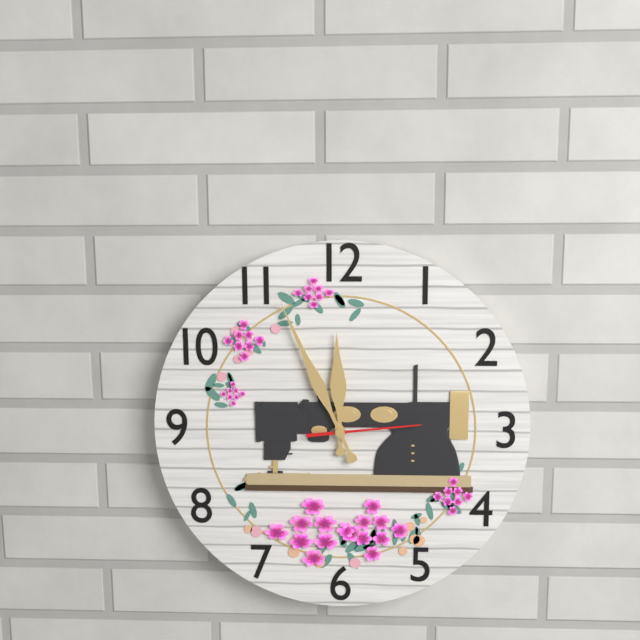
{"hour": 11, "minute": 56, "second": 14}
